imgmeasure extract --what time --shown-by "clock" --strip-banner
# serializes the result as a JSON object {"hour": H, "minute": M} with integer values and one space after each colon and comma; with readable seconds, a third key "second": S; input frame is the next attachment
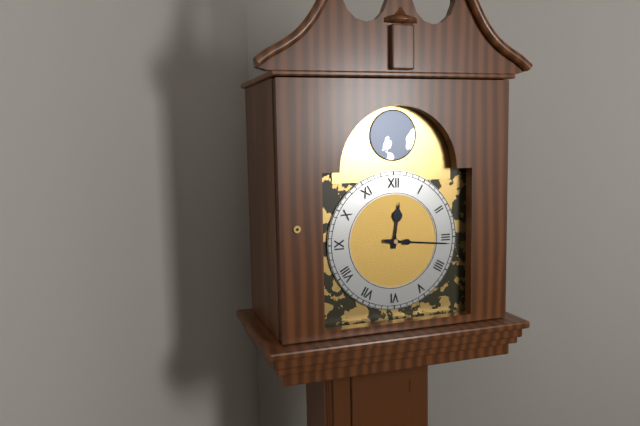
{"hour": 12, "minute": 16}
